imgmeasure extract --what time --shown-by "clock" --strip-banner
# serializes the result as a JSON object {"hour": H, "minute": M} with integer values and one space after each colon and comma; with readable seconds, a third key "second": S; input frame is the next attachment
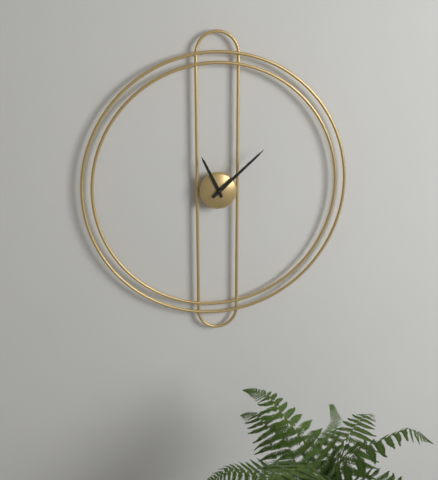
{"hour": 11, "minute": 8}
